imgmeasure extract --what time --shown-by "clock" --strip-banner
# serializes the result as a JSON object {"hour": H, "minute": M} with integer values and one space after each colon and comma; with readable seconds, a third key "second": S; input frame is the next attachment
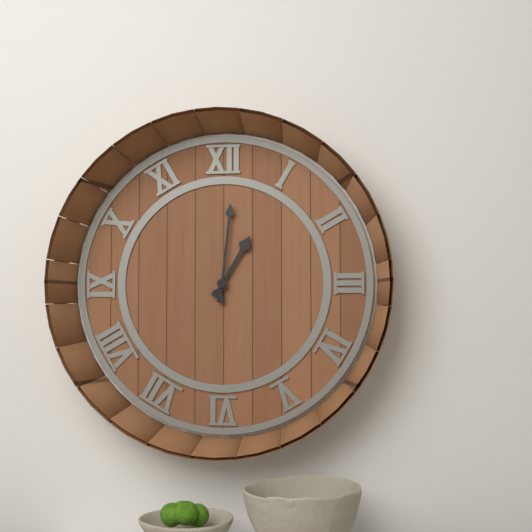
{"hour": 1, "minute": 1}
